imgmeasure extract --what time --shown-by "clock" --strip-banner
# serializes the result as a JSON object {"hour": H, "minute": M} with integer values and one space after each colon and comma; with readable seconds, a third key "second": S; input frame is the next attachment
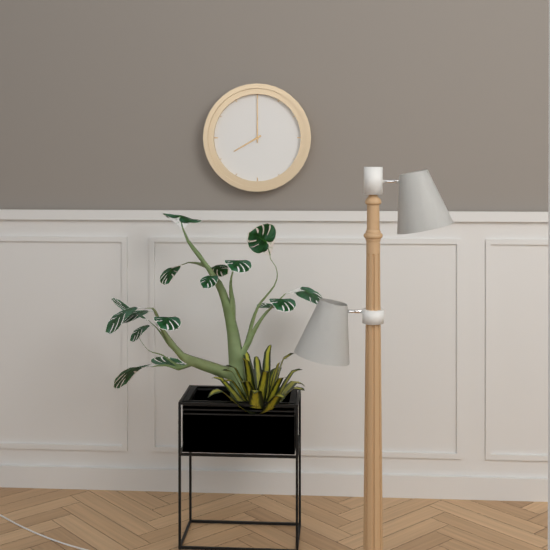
{"hour": 8, "minute": 0}
